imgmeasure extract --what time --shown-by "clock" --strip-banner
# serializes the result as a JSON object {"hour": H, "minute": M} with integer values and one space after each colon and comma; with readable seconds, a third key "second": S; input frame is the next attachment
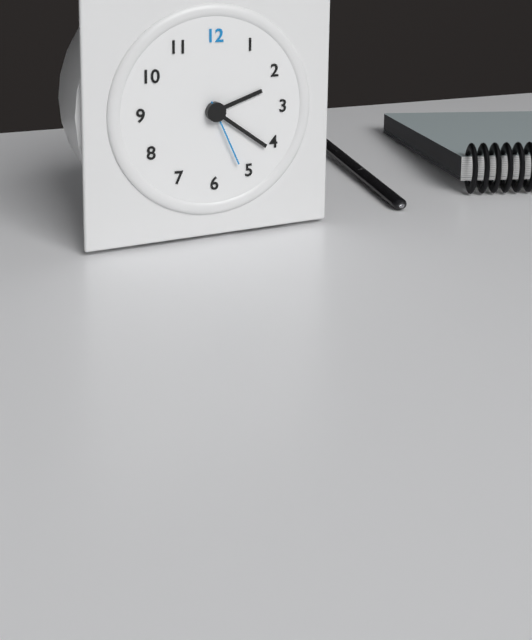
{"hour": 2, "minute": 21, "second": 26}
